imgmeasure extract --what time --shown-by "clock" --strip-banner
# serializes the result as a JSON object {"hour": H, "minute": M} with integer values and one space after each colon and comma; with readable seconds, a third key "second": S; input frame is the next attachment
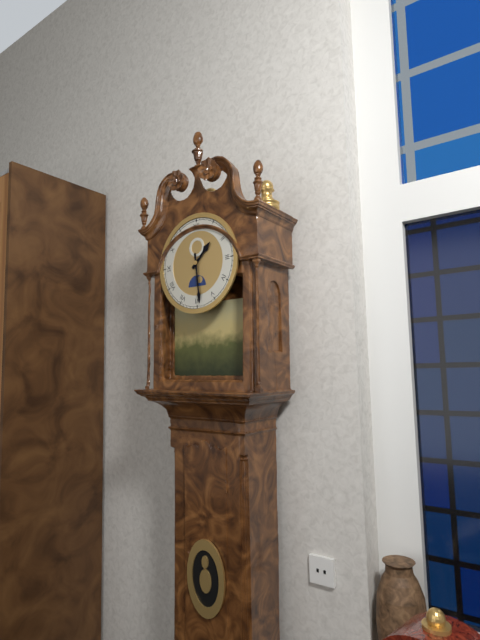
{"hour": 1, "minute": 29}
